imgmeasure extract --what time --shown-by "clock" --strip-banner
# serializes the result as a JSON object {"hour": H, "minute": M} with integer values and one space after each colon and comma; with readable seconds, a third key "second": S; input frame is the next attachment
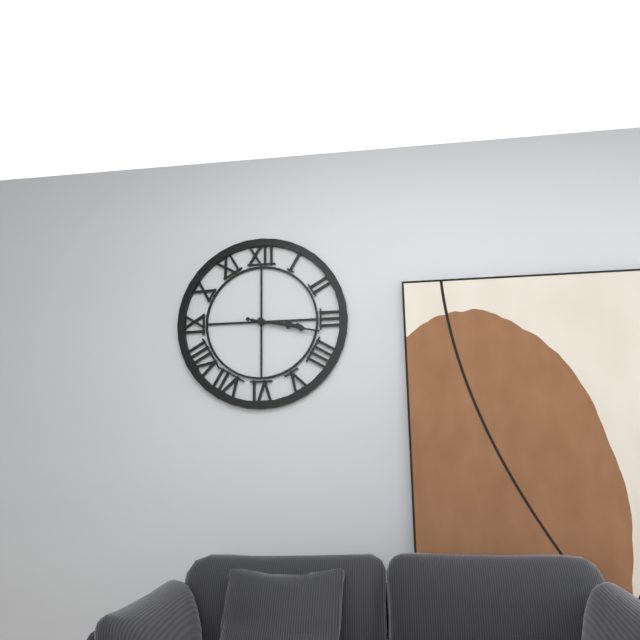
{"hour": 3, "minute": 17}
